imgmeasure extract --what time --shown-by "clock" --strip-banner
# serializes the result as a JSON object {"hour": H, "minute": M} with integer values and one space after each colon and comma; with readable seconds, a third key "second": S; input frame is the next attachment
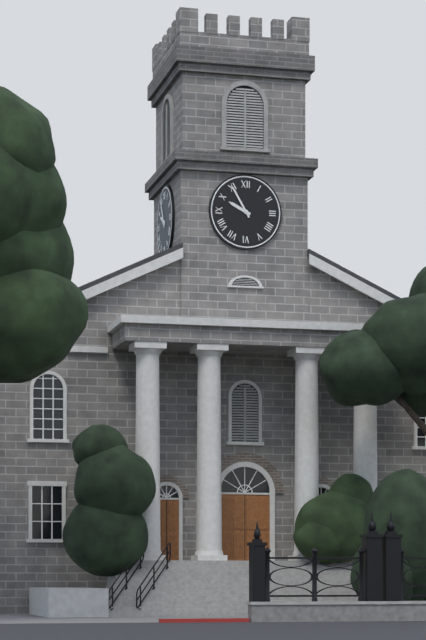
{"hour": 9, "minute": 55}
